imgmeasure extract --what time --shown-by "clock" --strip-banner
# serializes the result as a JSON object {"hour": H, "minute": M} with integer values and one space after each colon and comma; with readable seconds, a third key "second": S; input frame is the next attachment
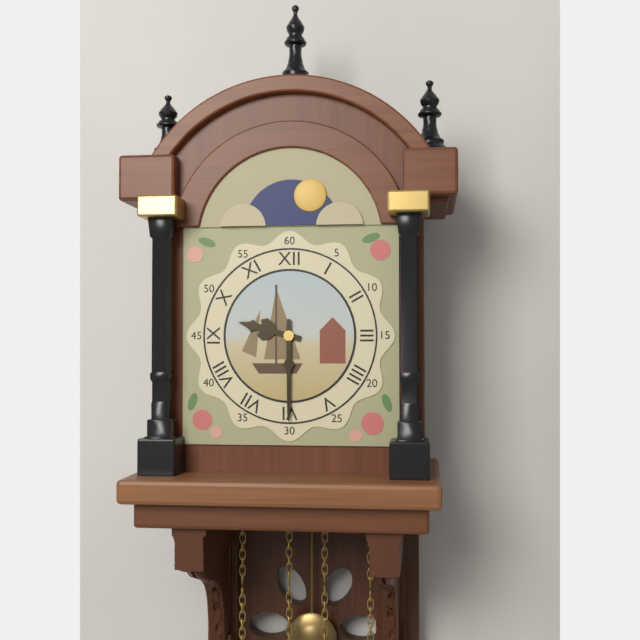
{"hour": 9, "minute": 30}
